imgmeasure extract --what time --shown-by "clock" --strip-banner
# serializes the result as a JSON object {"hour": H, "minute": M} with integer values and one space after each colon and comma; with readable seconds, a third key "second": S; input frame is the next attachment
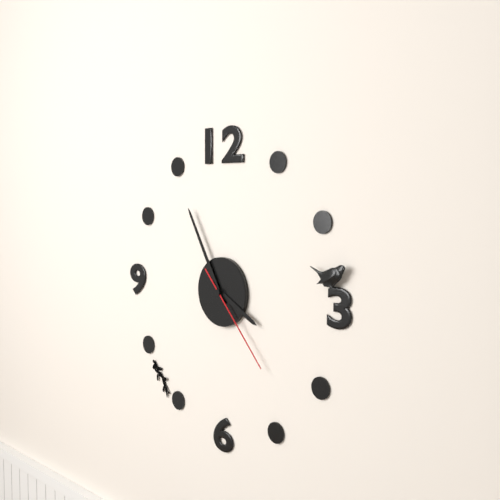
{"hour": 3, "minute": 55, "second": 23}
